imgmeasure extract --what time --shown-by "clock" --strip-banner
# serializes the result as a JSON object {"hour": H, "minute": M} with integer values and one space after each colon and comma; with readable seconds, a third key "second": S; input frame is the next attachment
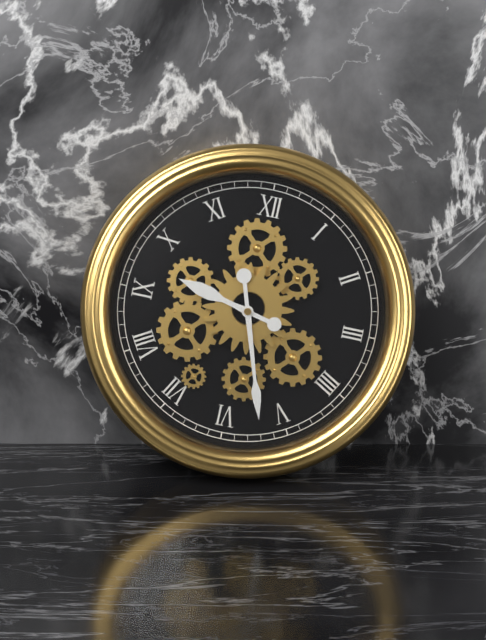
{"hour": 9, "minute": 27}
